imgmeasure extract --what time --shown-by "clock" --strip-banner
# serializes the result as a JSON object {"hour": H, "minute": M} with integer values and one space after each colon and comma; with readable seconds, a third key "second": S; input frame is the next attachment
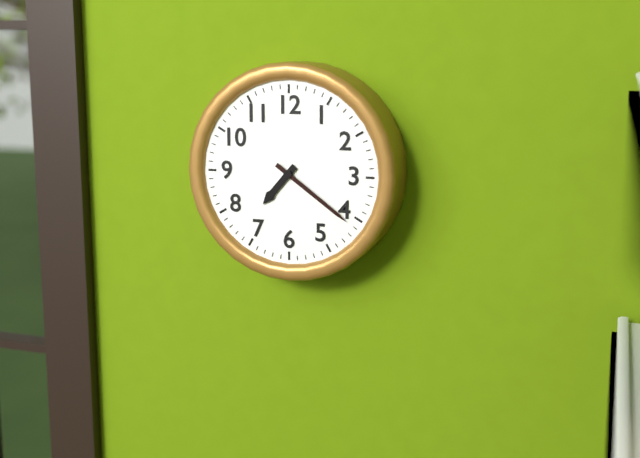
{"hour": 7, "minute": 21}
